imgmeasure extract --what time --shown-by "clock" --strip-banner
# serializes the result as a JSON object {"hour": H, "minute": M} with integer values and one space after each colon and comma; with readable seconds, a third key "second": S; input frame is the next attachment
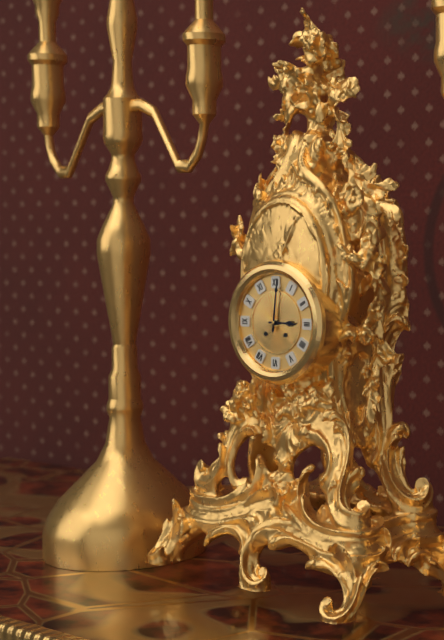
{"hour": 3, "minute": 1}
